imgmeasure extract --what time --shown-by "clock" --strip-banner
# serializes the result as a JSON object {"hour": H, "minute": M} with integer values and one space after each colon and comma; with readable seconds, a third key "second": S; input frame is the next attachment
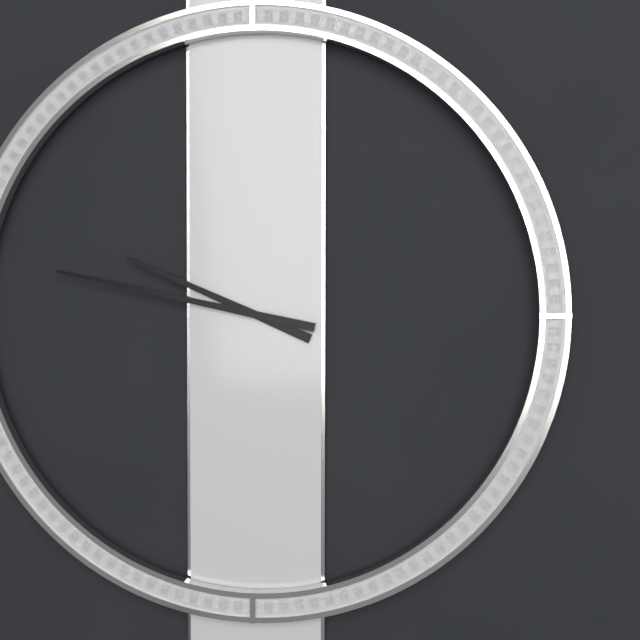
{"hour": 9, "minute": 47}
